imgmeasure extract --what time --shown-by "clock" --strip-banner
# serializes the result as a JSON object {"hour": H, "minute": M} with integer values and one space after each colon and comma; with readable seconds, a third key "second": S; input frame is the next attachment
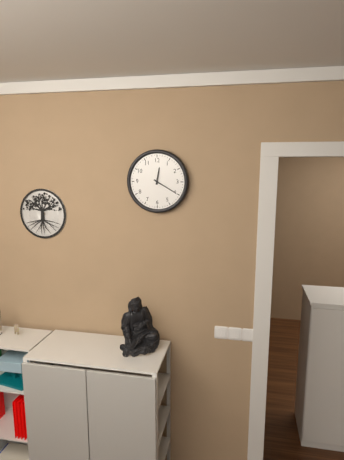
{"hour": 12, "minute": 20}
